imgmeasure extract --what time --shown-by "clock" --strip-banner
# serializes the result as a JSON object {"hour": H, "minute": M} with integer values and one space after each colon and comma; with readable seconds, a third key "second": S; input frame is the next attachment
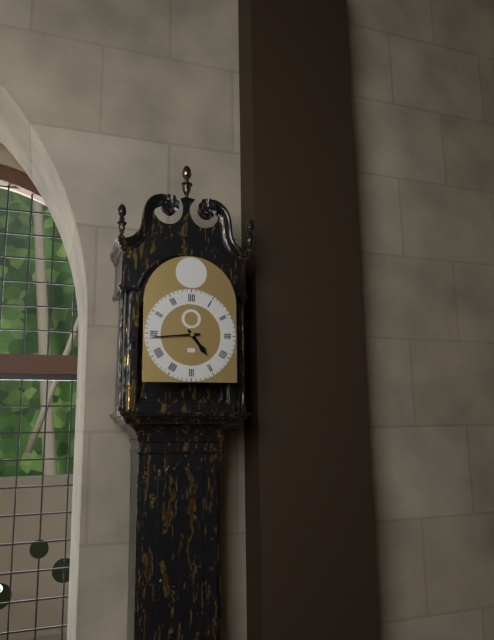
{"hour": 4, "minute": 44}
